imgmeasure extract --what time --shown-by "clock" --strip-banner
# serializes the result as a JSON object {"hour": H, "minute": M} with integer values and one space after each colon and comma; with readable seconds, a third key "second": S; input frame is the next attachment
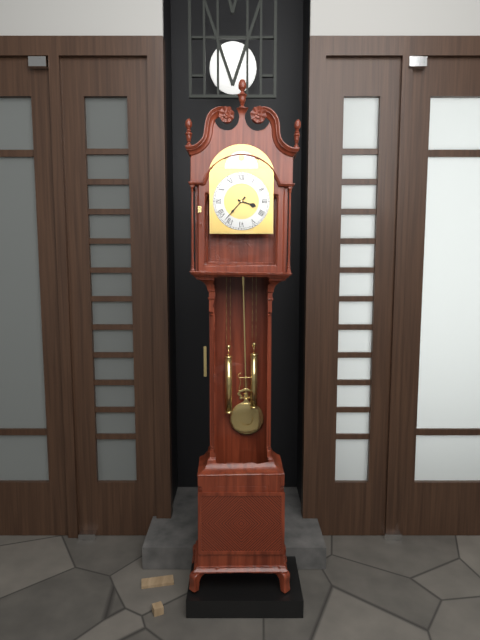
{"hour": 3, "minute": 37}
